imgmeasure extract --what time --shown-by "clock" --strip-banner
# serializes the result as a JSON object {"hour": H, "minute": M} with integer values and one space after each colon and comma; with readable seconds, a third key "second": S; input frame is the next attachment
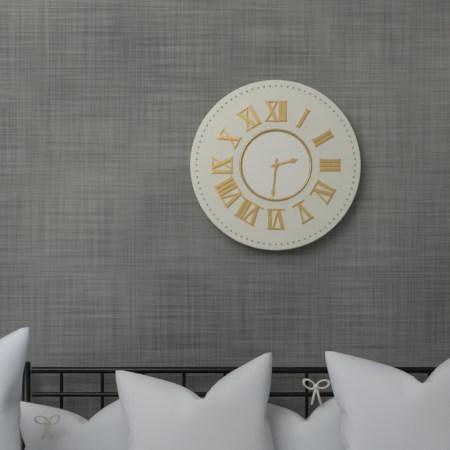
{"hour": 2, "minute": 31}
